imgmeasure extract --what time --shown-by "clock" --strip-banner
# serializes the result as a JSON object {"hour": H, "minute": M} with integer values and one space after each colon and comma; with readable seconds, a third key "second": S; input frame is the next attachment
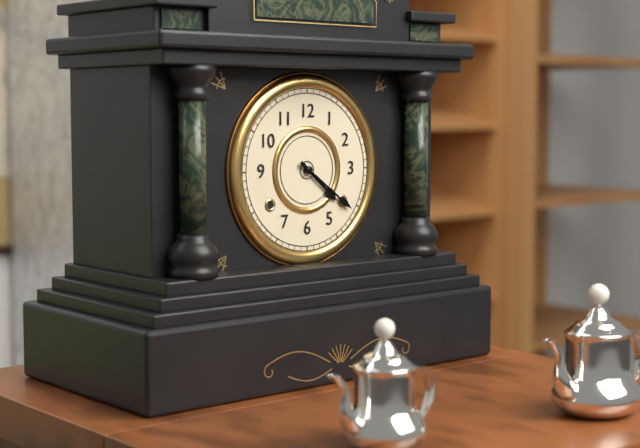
{"hour": 4, "minute": 21}
